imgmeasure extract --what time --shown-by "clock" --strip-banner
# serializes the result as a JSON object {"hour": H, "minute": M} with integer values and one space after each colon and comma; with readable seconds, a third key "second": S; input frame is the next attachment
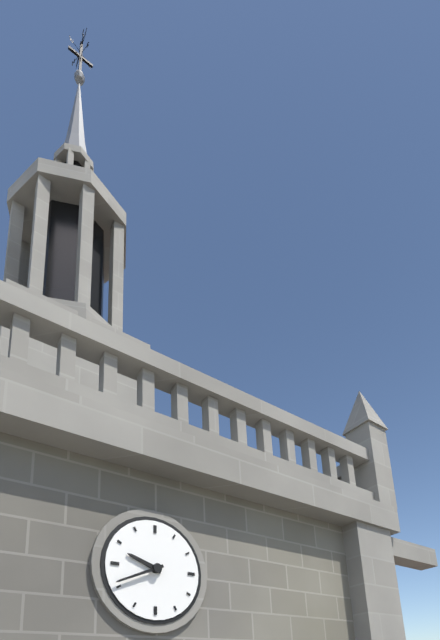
{"hour": 9, "minute": 41}
